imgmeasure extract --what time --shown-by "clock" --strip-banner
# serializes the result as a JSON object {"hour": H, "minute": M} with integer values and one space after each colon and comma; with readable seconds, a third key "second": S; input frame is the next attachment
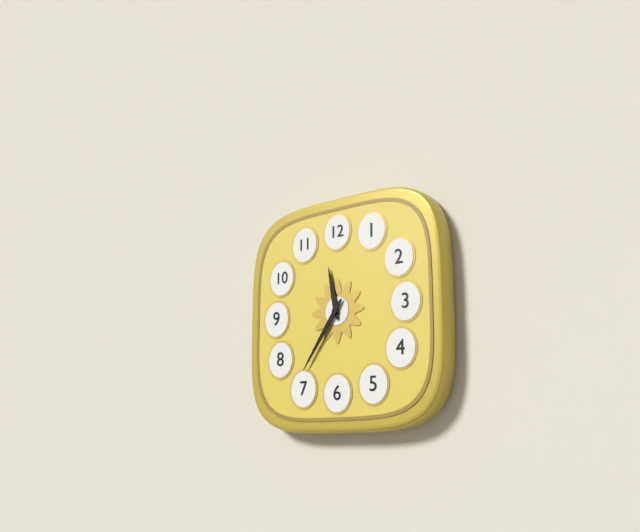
{"hour": 11, "minute": 36}
